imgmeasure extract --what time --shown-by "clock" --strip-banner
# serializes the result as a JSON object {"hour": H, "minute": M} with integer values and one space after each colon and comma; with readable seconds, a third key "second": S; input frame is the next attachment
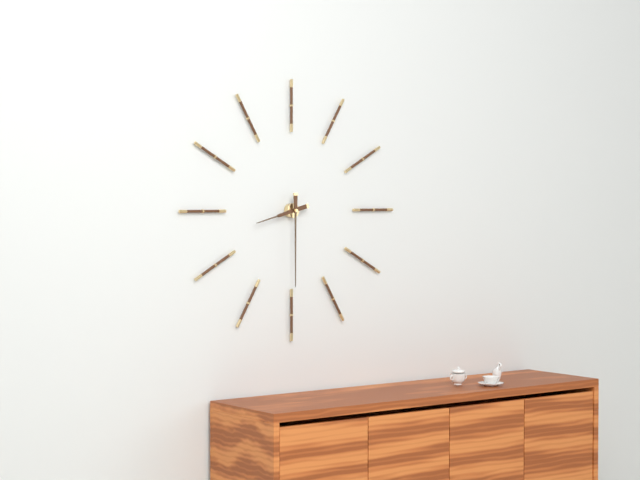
{"hour": 8, "minute": 30}
